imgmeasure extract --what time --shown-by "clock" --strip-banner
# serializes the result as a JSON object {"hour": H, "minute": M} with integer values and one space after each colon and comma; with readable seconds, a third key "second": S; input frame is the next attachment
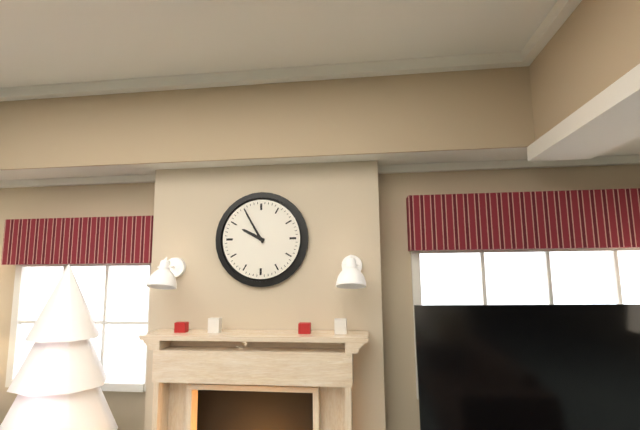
{"hour": 9, "minute": 55}
